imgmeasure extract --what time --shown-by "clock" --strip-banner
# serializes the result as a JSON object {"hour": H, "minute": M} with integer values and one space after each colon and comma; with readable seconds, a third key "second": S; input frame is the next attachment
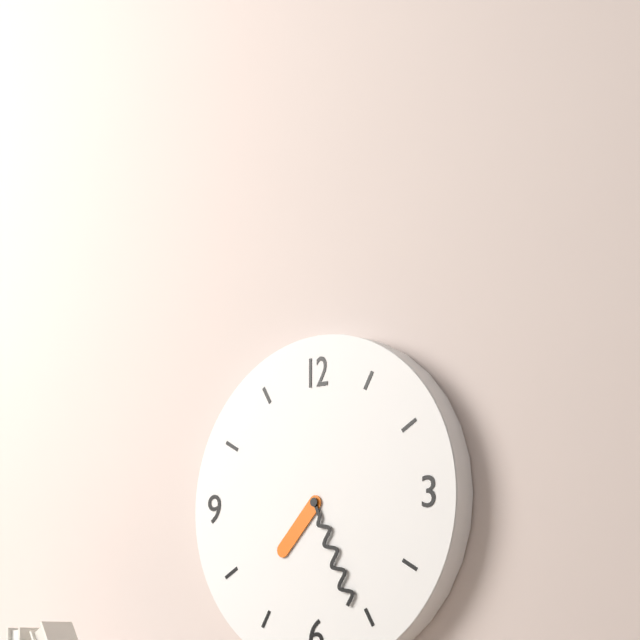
{"hour": 7, "minute": 26}
